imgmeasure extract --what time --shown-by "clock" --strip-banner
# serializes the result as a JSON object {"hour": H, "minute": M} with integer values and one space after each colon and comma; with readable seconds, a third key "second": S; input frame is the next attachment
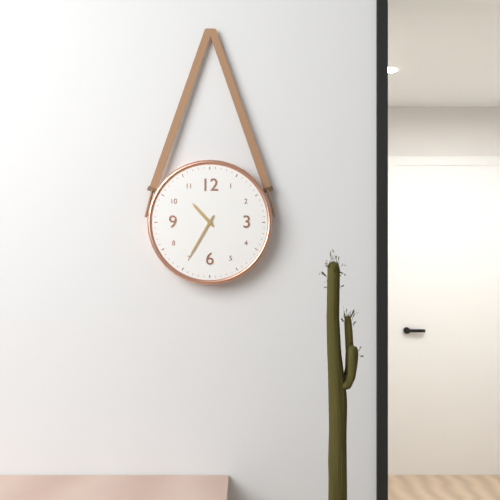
{"hour": 10, "minute": 35}
